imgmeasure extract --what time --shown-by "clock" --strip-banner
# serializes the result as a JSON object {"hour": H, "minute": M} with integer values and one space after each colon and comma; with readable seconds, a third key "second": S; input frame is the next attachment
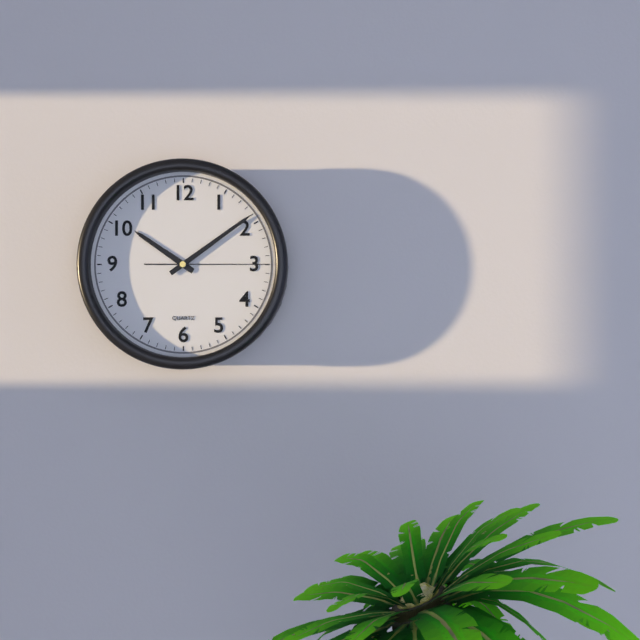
{"hour": 10, "minute": 9, "second": 15}
